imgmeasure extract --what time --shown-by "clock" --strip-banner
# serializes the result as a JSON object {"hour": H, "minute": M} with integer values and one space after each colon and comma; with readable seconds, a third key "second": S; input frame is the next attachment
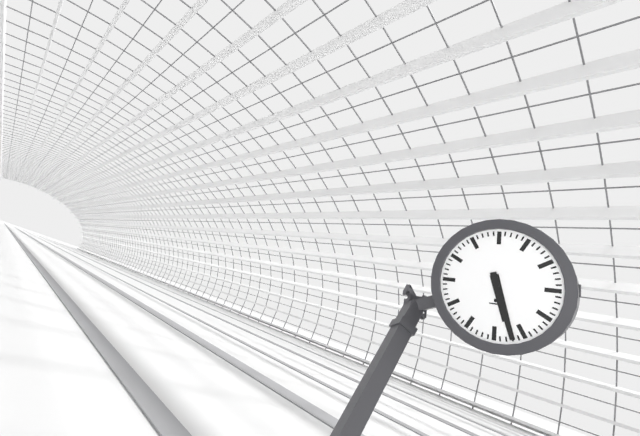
{"hour": 5, "minute": 27}
